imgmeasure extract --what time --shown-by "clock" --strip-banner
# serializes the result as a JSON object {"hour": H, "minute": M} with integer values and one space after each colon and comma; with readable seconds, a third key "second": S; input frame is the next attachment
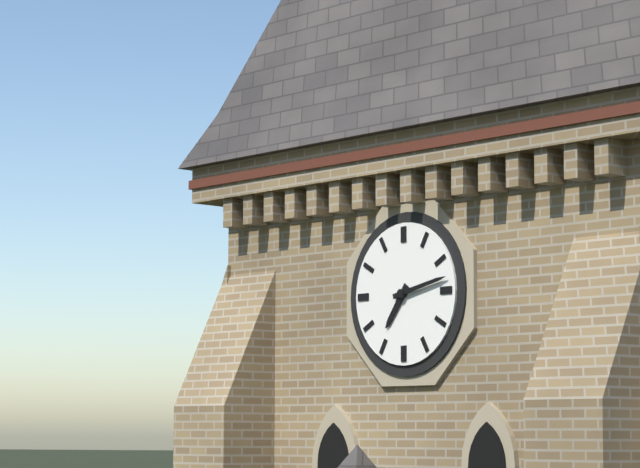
{"hour": 7, "minute": 13}
